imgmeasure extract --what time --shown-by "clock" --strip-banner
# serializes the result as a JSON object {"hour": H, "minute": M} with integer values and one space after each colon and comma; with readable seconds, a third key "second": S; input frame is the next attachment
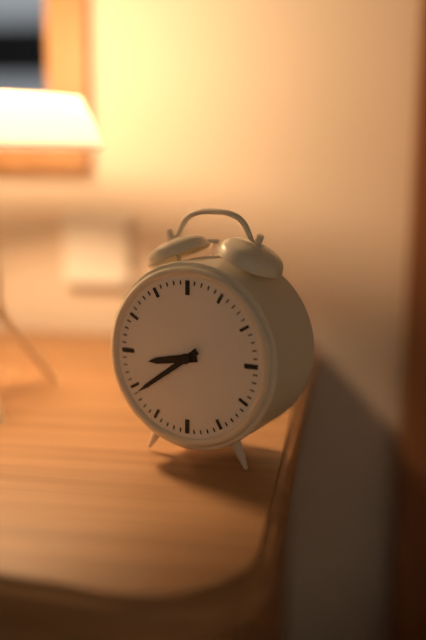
{"hour": 8, "minute": 39}
